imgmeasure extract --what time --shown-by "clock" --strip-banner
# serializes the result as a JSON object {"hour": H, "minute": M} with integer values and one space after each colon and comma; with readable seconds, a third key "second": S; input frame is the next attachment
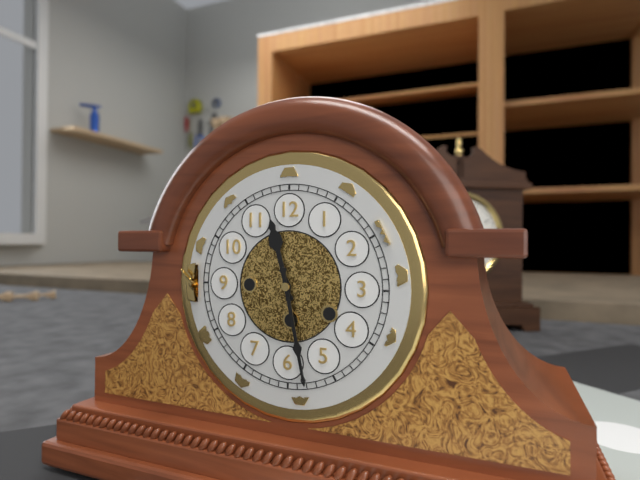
{"hour": 11, "minute": 28}
